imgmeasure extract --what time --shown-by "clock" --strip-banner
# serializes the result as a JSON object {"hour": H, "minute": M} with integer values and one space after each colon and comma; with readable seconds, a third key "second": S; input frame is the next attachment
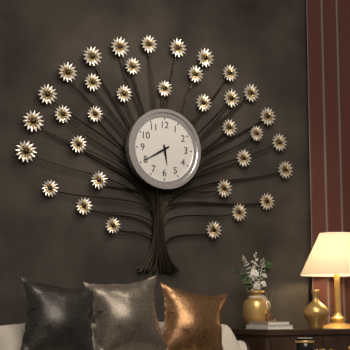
{"hour": 5, "minute": 40}
